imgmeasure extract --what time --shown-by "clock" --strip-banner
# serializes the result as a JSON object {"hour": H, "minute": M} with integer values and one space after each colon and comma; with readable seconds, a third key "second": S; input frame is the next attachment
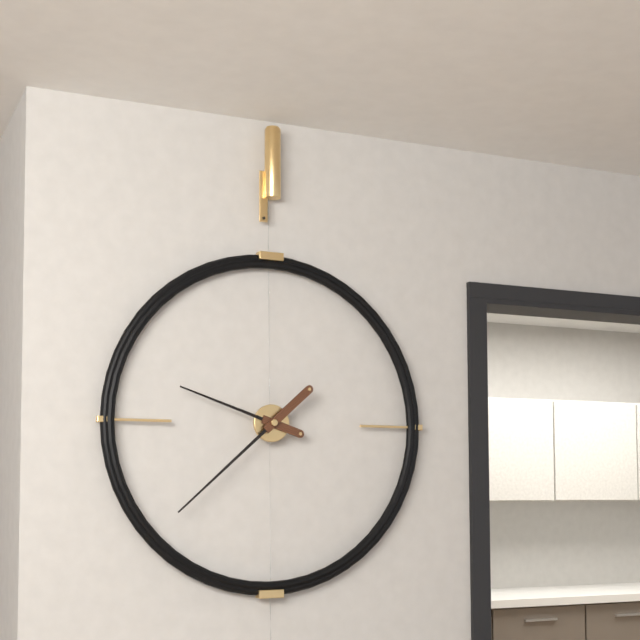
{"hour": 9, "minute": 38}
